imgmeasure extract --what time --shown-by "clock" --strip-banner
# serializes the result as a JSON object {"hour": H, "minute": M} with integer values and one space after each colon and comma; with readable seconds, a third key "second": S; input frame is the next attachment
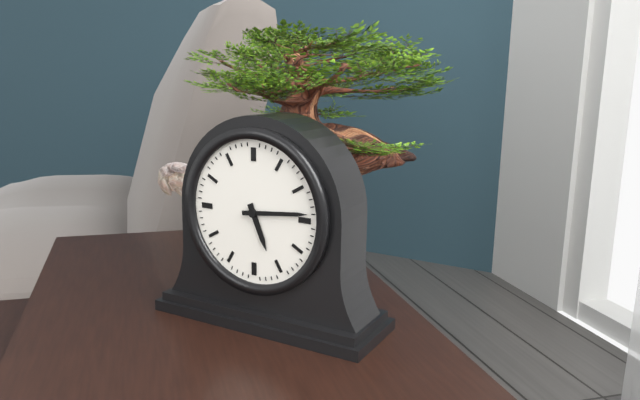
{"hour": 5, "minute": 14}
